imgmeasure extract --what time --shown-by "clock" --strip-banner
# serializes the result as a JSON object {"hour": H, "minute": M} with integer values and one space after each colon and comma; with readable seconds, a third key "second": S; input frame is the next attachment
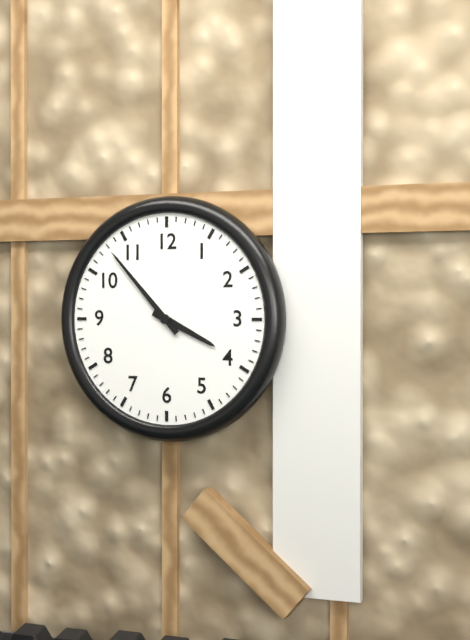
{"hour": 3, "minute": 53}
